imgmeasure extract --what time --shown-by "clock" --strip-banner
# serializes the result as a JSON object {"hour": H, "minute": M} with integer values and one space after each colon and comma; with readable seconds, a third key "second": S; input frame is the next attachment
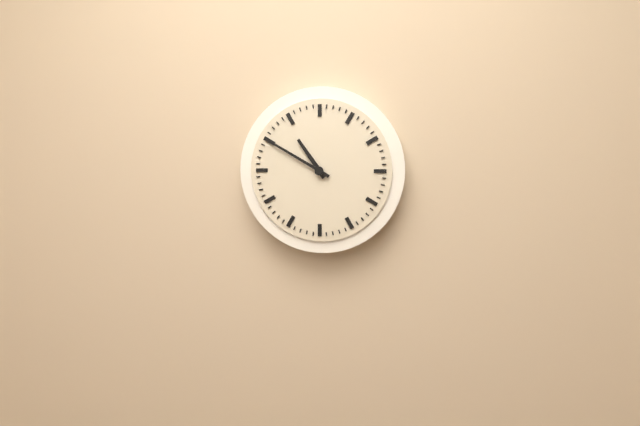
{"hour": 10, "minute": 50}
